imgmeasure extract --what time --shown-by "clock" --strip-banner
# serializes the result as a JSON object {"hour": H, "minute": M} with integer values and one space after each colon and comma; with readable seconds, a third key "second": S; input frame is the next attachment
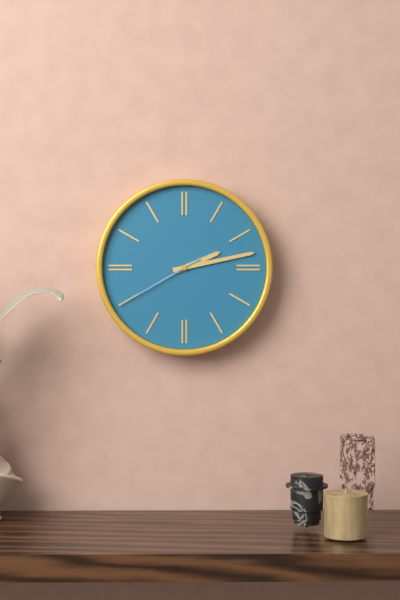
{"hour": 2, "minute": 13, "second": 40}
